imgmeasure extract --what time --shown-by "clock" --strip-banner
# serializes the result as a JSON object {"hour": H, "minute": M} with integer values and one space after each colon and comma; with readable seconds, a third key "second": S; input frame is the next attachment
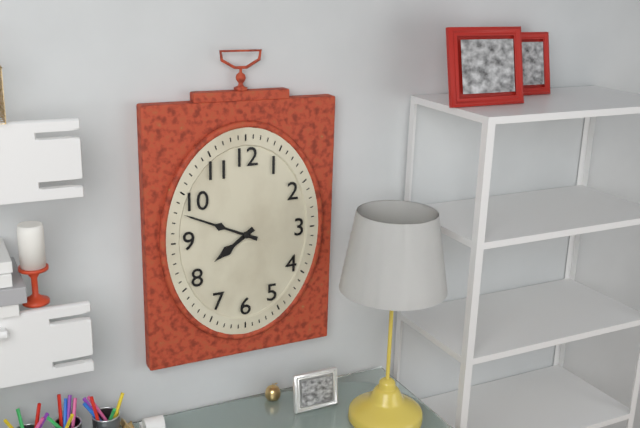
{"hour": 7, "minute": 49}
